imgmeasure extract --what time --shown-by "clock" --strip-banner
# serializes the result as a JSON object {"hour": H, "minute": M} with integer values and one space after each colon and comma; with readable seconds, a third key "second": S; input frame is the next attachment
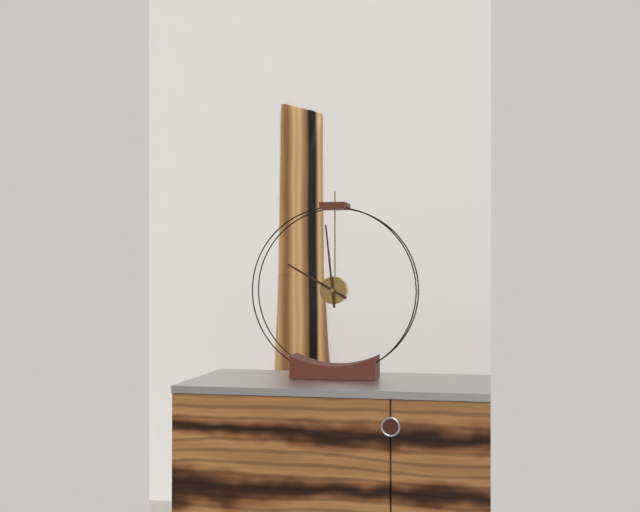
{"hour": 9, "minute": 59}
